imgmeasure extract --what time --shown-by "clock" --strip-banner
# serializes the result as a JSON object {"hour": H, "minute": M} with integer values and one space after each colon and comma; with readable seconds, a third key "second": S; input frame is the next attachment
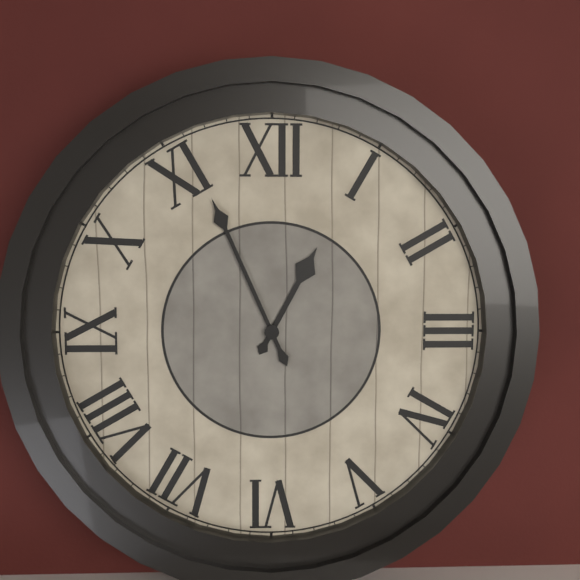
{"hour": 12, "minute": 56}
